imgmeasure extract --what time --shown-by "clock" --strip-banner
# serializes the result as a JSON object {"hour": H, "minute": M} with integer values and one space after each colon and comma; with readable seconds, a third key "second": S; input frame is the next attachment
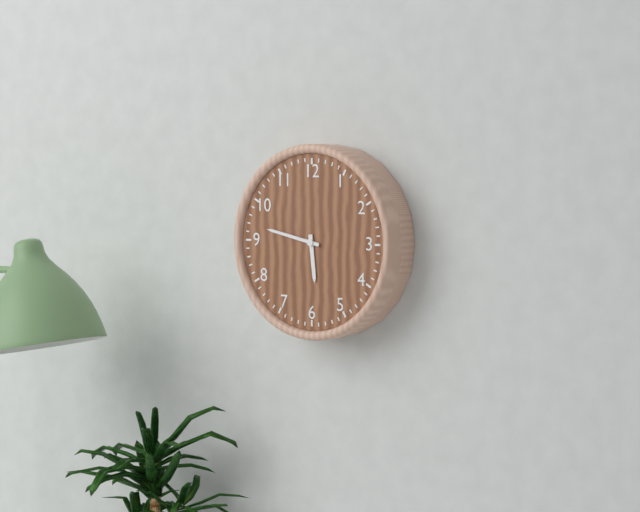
{"hour": 5, "minute": 47}
